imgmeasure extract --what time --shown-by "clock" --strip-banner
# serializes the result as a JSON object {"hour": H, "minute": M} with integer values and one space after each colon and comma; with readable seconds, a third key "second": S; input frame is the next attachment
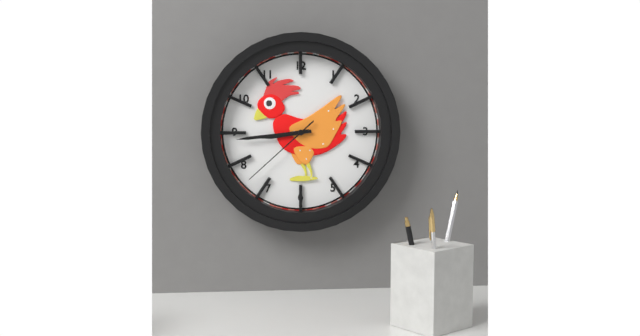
{"hour": 8, "minute": 44, "second": 38}
